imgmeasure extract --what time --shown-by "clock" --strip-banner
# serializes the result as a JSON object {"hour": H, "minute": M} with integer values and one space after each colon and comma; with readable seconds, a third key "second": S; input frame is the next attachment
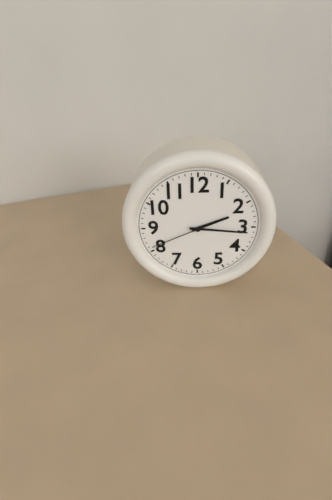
{"hour": 2, "minute": 16, "second": 41}
